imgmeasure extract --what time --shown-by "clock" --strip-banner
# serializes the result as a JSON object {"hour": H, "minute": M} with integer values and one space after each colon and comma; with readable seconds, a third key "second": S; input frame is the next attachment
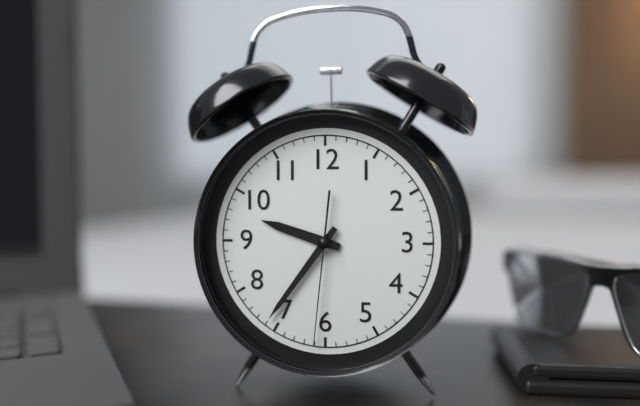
{"hour": 9, "minute": 36, "second": 31}
